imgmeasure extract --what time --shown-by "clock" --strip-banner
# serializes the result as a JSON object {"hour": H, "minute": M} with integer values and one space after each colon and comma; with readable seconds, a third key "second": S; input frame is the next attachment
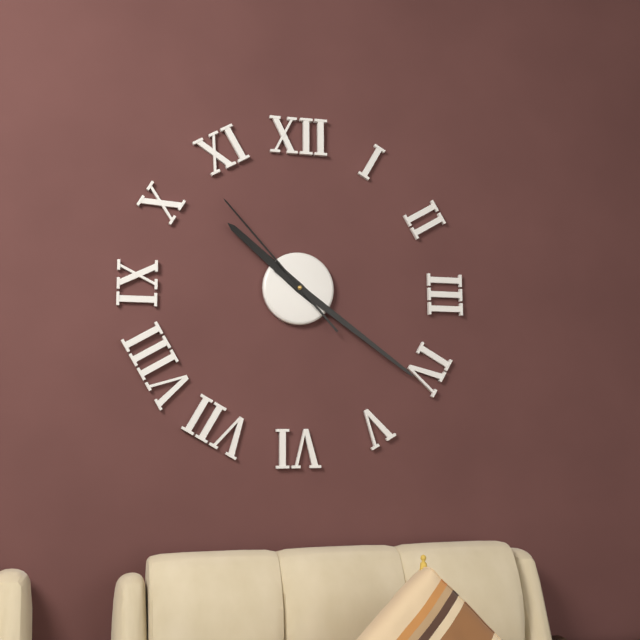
{"hour": 10, "minute": 21, "second": 53}
